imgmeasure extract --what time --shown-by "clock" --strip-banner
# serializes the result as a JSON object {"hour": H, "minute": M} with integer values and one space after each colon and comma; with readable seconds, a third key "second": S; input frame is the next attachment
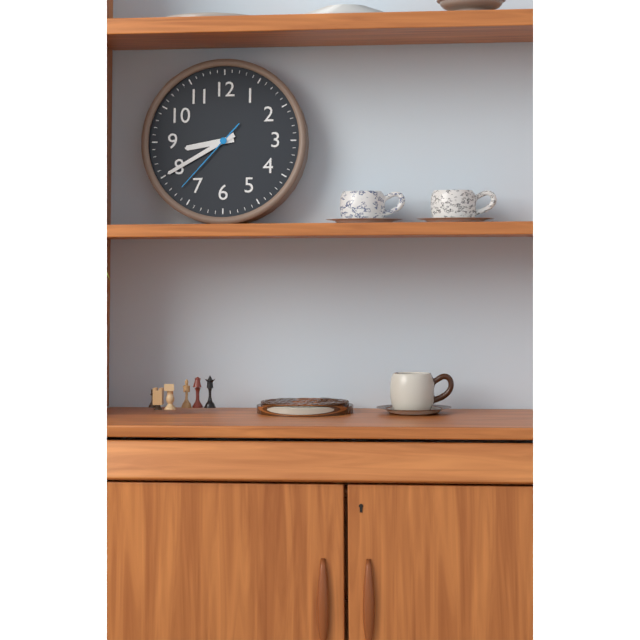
{"hour": 8, "minute": 40, "second": 37}
